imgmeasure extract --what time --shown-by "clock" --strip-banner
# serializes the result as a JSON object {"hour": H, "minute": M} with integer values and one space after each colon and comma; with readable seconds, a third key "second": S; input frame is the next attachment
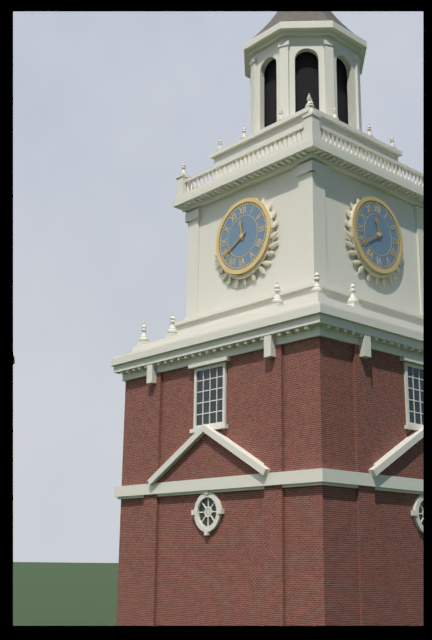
{"hour": 11, "minute": 40}
